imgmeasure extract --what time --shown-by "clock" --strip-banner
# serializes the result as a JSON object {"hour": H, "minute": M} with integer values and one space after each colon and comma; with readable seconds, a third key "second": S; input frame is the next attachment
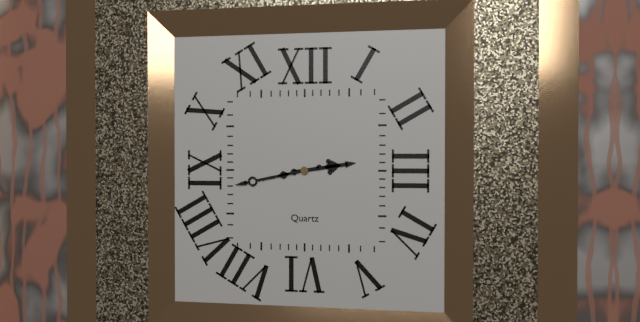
{"hour": 2, "minute": 43}
